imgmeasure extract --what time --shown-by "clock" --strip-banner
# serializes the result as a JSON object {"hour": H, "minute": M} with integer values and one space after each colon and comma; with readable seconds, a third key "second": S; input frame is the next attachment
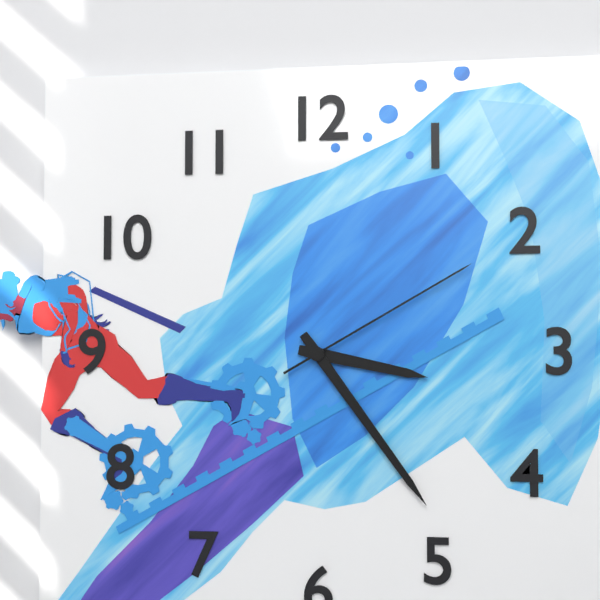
{"hour": 3, "minute": 24, "second": 10}
